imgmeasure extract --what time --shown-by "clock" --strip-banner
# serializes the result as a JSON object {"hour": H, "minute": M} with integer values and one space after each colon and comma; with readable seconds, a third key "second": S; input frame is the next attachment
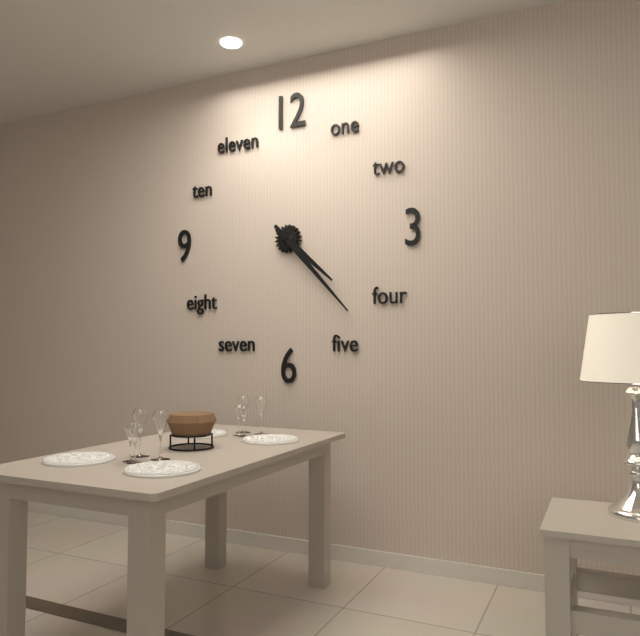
{"hour": 4, "minute": 23}
